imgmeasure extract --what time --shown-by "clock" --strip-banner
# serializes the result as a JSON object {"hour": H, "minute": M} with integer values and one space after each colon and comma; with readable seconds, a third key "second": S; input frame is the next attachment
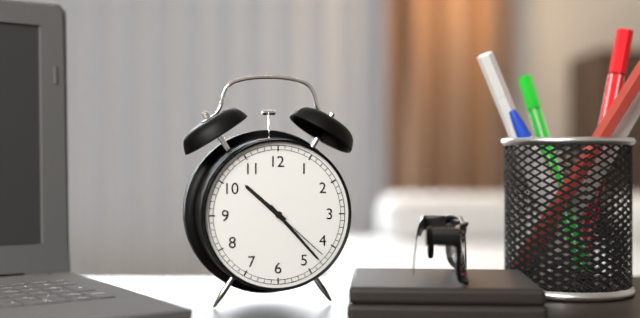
{"hour": 10, "minute": 23, "second": 22}
